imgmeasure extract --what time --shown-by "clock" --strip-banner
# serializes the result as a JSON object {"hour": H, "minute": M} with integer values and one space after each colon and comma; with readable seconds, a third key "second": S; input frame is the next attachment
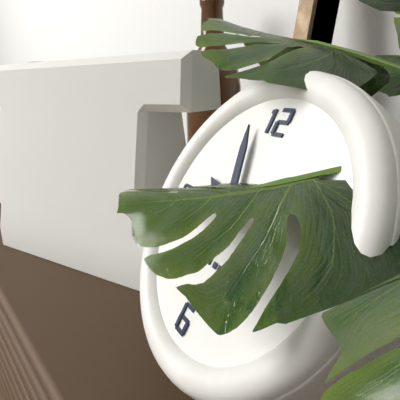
{"hour": 9, "minute": 57}
